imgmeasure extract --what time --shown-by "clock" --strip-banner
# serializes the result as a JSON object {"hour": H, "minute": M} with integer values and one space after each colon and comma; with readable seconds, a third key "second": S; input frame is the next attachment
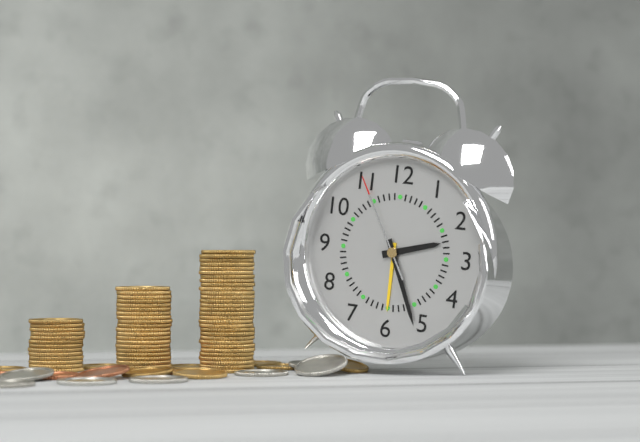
{"hour": 2, "minute": 26, "second": 55}
